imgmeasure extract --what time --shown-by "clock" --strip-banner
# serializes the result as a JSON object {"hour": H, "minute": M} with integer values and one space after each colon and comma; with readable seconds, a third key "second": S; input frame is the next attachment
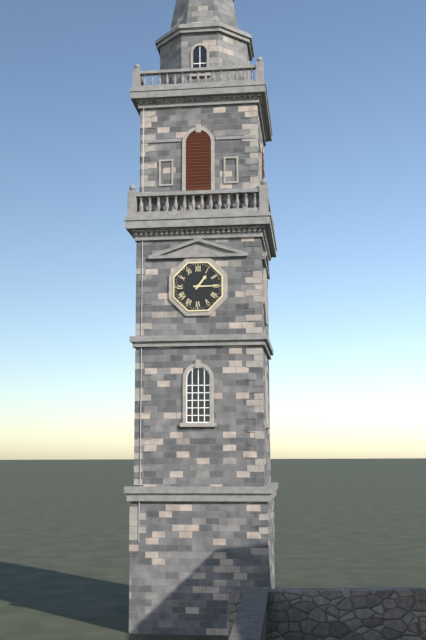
{"hour": 1, "minute": 15}
